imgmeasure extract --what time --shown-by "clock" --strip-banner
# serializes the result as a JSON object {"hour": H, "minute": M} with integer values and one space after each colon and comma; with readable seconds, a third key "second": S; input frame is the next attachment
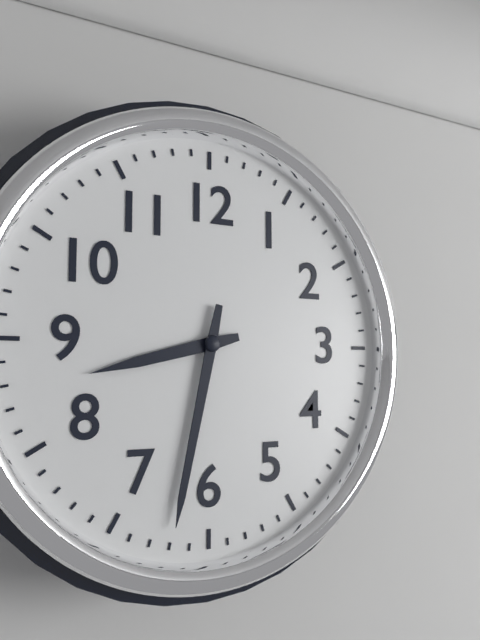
{"hour": 8, "minute": 32}
